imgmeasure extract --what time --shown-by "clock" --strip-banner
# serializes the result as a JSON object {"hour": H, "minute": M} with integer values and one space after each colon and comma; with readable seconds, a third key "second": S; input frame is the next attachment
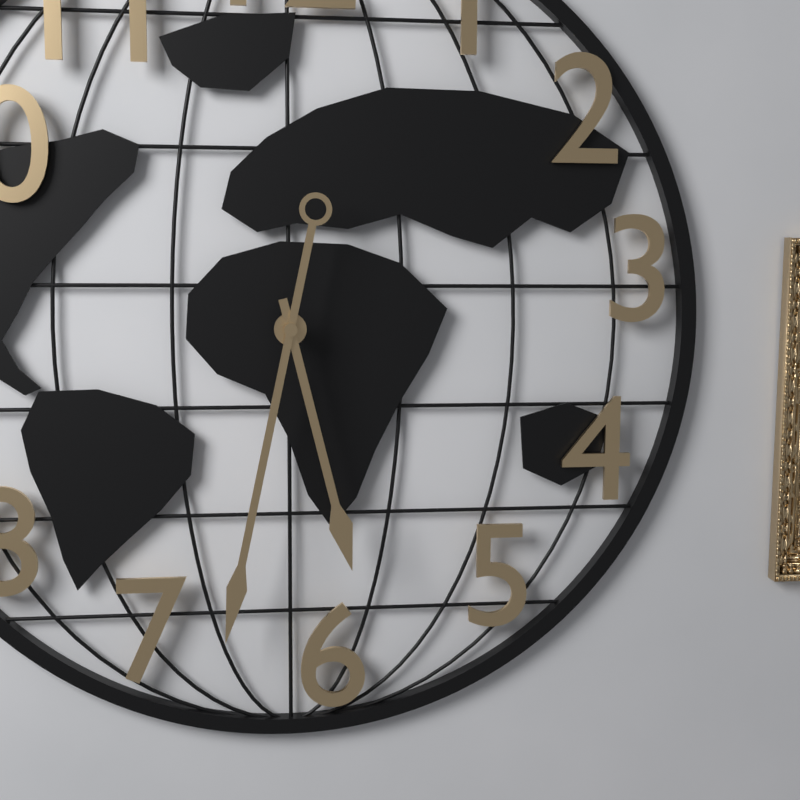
{"hour": 5, "minute": 32}
